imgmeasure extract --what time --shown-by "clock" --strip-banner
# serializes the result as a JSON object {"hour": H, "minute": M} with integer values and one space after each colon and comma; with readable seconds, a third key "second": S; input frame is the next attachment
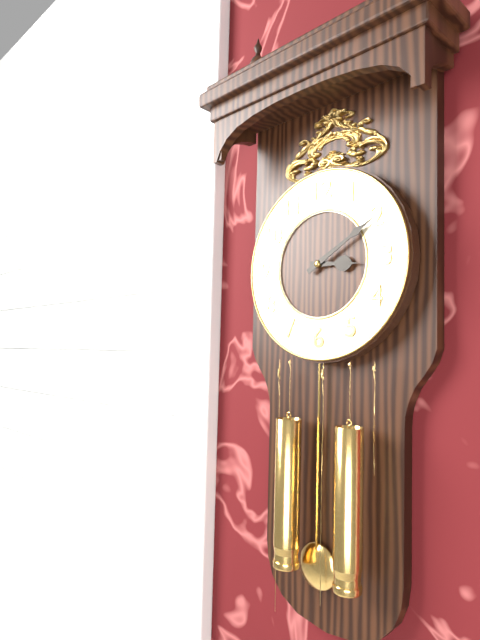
{"hour": 3, "minute": 10}
